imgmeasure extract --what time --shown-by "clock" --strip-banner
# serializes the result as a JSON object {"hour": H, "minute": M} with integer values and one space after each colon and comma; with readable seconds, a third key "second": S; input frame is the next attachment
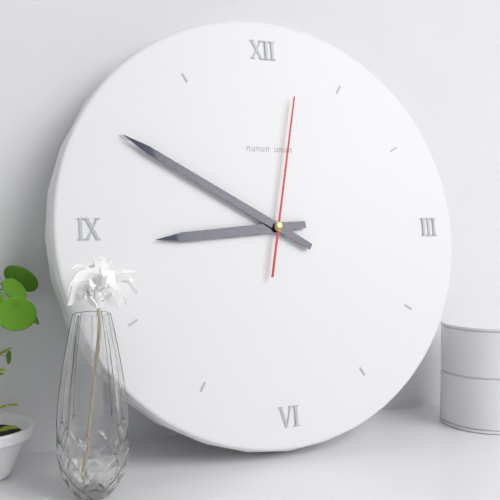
{"hour": 8, "minute": 50, "second": 2}
